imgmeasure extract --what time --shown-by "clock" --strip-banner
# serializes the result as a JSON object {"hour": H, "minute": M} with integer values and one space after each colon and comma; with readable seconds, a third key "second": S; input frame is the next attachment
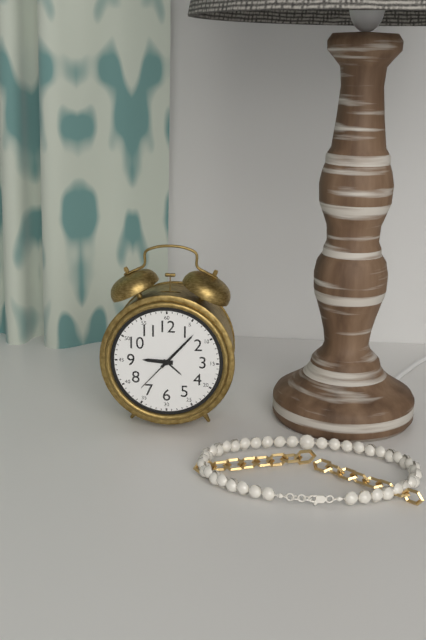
{"hour": 9, "minute": 7}
